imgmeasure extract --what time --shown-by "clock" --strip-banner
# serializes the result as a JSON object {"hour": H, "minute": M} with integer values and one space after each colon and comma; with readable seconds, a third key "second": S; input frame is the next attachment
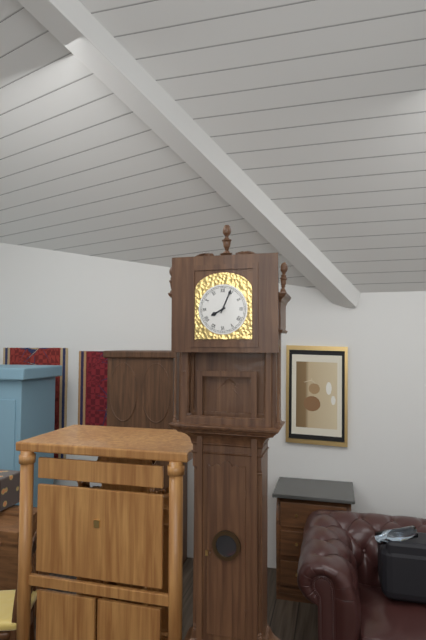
{"hour": 8, "minute": 4}
